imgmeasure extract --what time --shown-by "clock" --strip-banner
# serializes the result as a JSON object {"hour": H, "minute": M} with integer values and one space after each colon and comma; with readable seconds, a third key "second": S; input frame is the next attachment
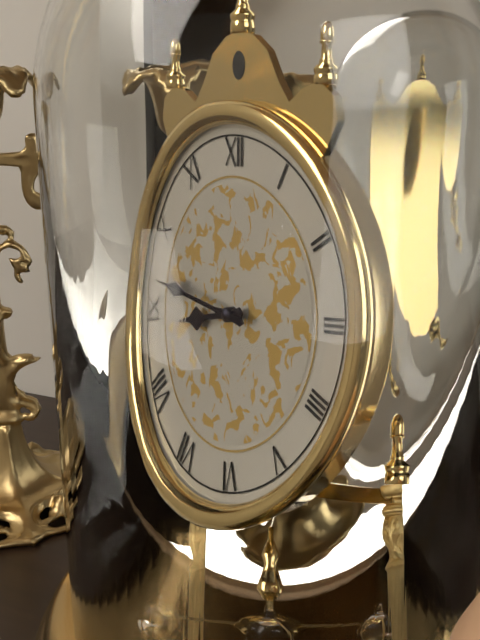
{"hour": 8, "minute": 47}
